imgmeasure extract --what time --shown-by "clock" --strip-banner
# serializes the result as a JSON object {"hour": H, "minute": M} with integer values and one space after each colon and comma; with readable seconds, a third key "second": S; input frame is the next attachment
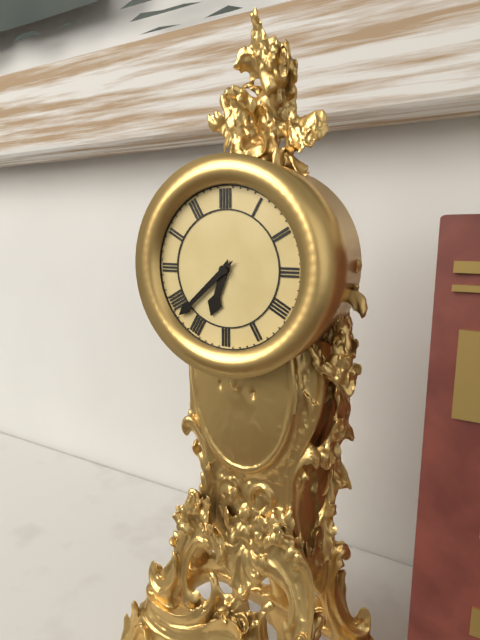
{"hour": 6, "minute": 38}
